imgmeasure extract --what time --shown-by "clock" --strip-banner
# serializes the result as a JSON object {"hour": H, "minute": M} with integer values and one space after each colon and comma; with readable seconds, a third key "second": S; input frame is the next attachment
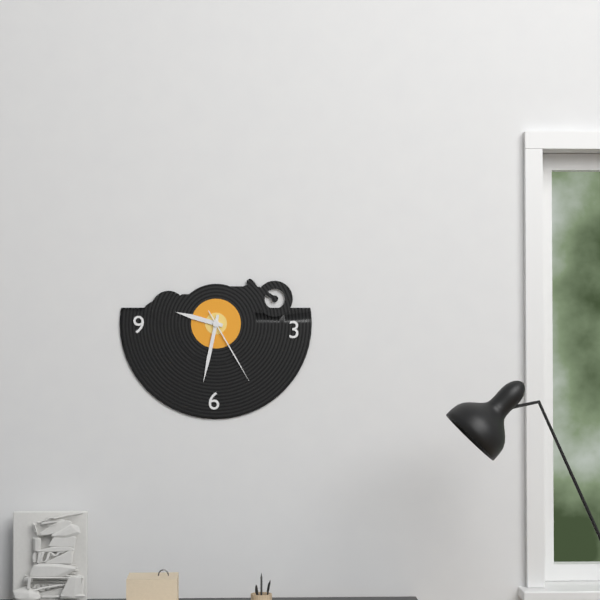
{"hour": 9, "minute": 32, "second": 25}
